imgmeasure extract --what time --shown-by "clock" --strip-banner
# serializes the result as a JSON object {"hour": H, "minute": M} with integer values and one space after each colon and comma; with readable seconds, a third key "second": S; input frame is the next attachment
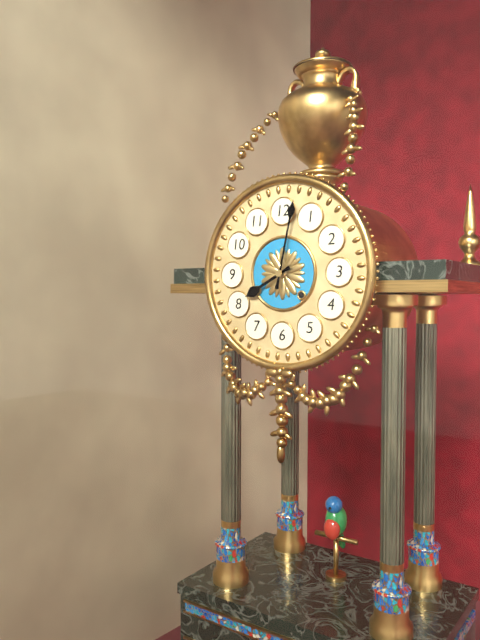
{"hour": 8, "minute": 2}
